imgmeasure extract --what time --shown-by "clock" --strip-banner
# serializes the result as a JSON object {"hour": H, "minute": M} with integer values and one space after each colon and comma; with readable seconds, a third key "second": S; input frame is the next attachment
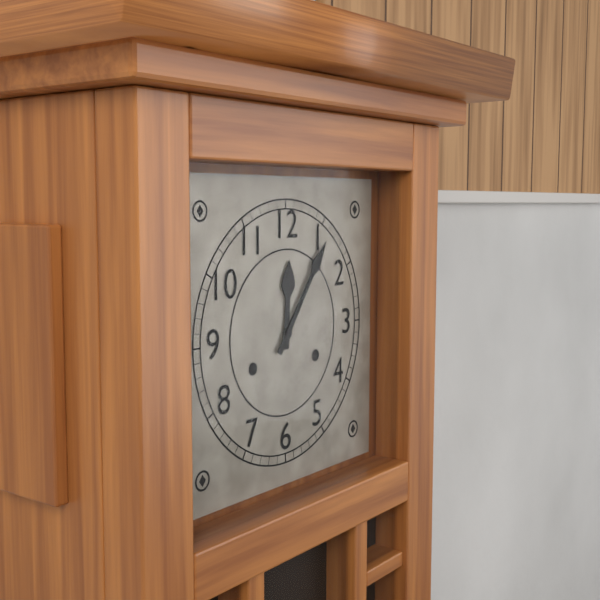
{"hour": 12, "minute": 6}
